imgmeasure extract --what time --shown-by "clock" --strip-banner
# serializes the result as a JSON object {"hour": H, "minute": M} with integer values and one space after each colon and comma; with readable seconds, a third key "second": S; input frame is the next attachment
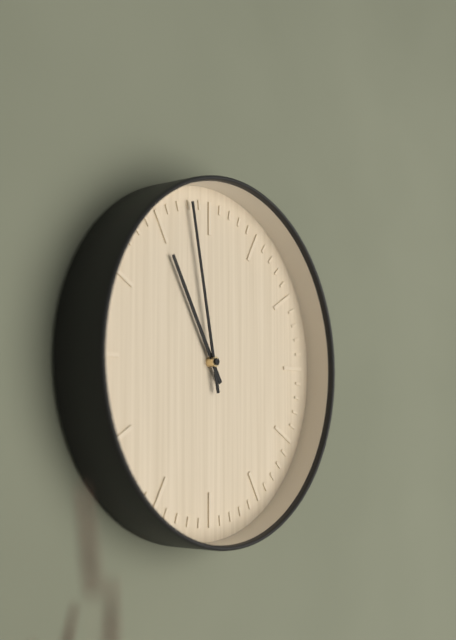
{"hour": 10, "minute": 58}
